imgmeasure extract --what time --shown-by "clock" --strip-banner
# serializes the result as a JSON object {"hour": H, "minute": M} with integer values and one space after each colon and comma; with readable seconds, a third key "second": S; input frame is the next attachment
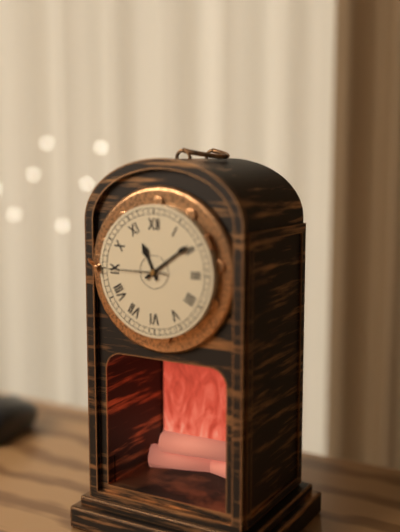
{"hour": 11, "minute": 9, "second": 45}
